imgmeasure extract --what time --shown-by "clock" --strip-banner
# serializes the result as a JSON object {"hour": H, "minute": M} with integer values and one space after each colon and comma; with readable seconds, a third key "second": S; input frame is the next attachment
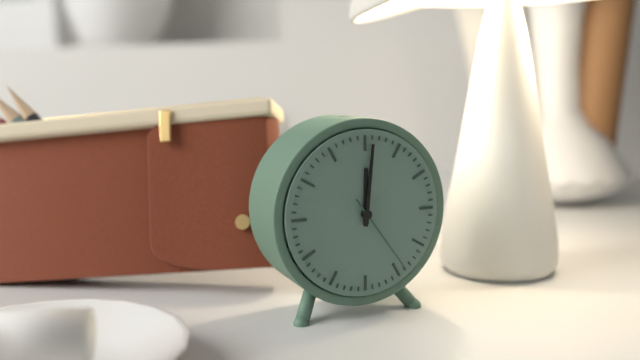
{"hour": 12, "minute": 1, "second": 24}
